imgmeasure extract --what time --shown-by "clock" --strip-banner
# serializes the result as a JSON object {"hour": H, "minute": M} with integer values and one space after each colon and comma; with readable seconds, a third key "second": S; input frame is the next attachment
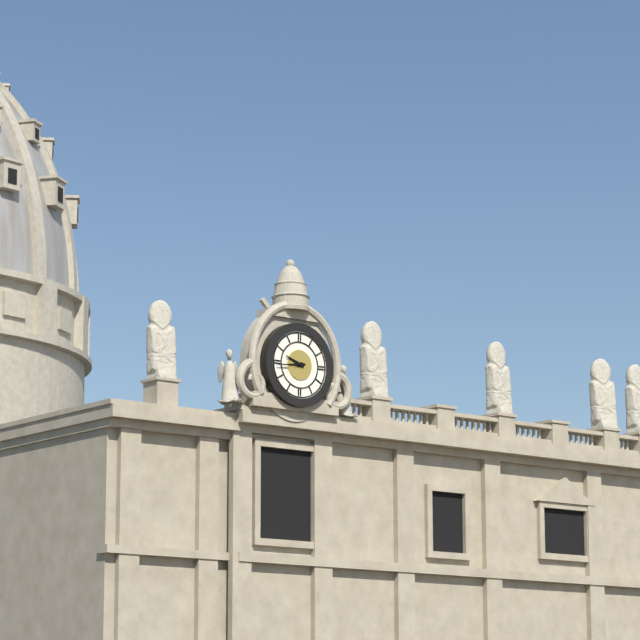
{"hour": 9, "minute": 44}
